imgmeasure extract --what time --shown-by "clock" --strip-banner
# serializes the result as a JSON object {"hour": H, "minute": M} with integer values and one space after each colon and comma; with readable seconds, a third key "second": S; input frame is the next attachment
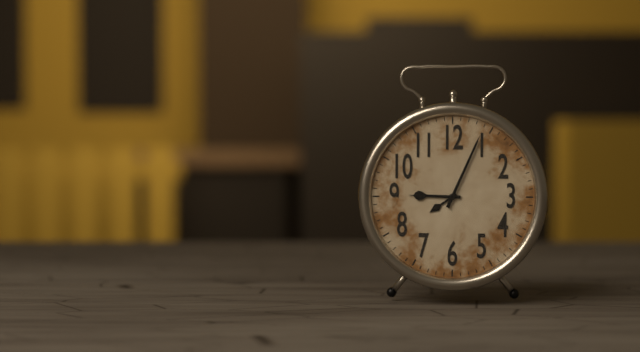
{"hour": 9, "minute": 4}
